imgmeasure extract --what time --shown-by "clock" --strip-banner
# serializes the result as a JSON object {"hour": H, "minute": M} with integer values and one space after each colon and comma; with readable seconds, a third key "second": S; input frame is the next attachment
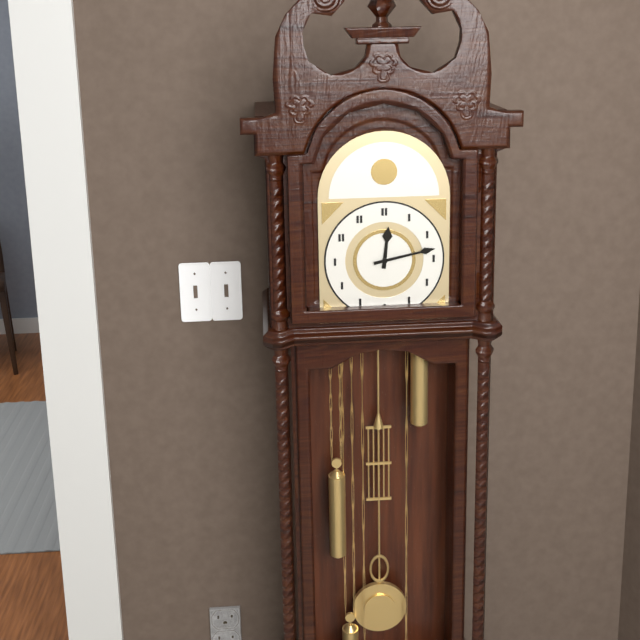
{"hour": 12, "minute": 13}
